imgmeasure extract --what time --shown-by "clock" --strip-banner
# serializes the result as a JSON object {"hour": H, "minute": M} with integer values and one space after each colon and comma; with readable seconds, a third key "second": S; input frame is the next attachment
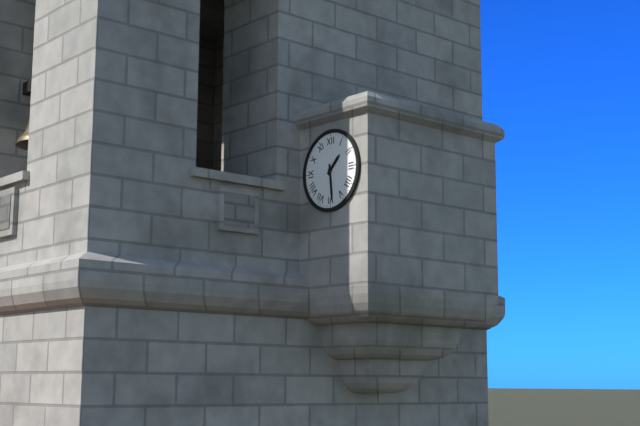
{"hour": 1, "minute": 29}
